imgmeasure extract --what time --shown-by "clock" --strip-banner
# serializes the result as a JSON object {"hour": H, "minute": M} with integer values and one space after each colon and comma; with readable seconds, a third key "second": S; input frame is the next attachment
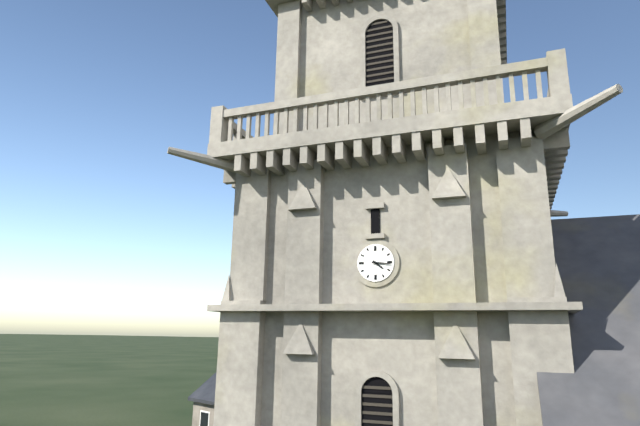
{"hour": 4, "minute": 16}
